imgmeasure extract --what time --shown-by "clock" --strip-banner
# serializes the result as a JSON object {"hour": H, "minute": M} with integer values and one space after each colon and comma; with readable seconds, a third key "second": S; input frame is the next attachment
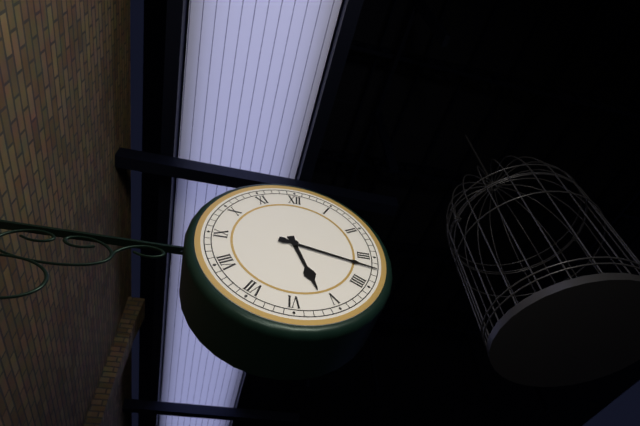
{"hour": 5, "minute": 17}
